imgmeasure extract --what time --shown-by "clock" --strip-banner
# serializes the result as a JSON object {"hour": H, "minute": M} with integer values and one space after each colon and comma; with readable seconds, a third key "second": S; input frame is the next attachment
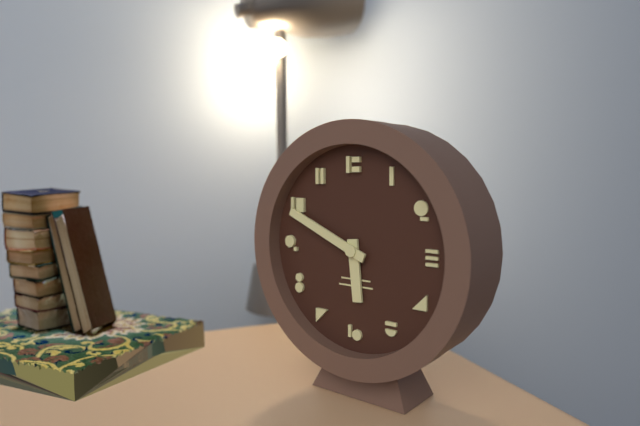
{"hour": 5, "minute": 49}
